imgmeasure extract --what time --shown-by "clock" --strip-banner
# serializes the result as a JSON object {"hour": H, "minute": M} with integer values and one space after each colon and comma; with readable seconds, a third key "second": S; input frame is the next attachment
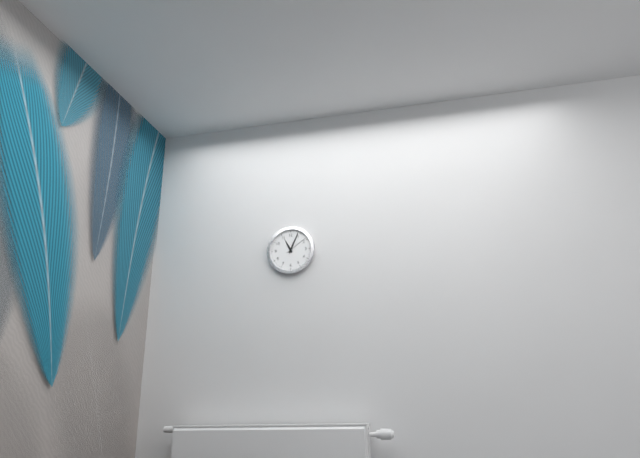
{"hour": 11, "minute": 4}
